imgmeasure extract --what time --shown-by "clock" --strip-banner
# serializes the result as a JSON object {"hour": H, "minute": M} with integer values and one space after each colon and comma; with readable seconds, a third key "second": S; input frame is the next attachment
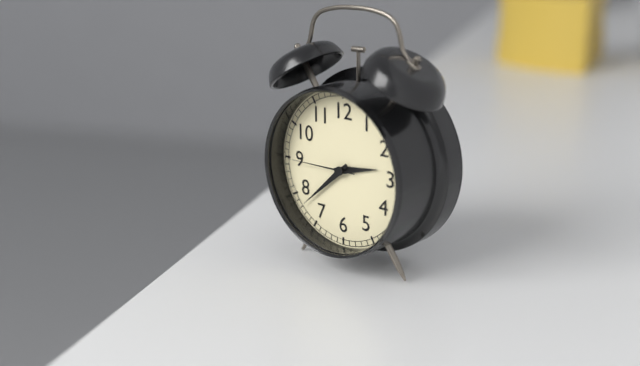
{"hour": 2, "minute": 38, "second": 45}
